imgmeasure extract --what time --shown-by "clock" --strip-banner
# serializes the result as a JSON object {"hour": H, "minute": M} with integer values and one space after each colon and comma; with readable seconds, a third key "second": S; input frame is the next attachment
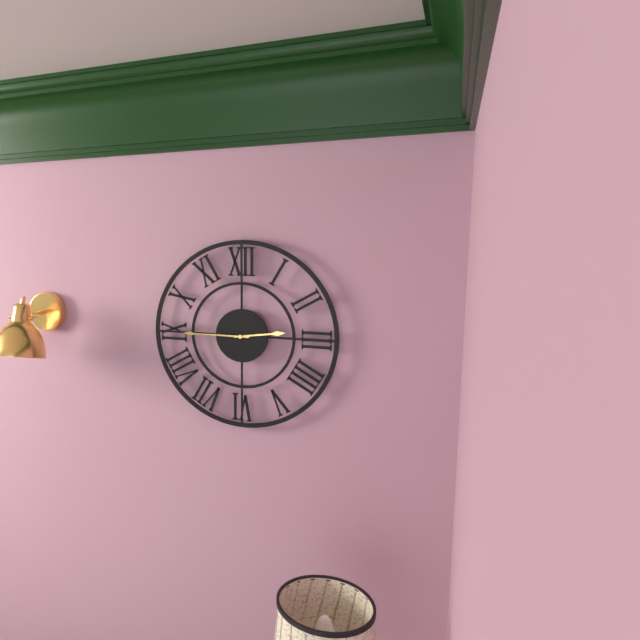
{"hour": 2, "minute": 45}
